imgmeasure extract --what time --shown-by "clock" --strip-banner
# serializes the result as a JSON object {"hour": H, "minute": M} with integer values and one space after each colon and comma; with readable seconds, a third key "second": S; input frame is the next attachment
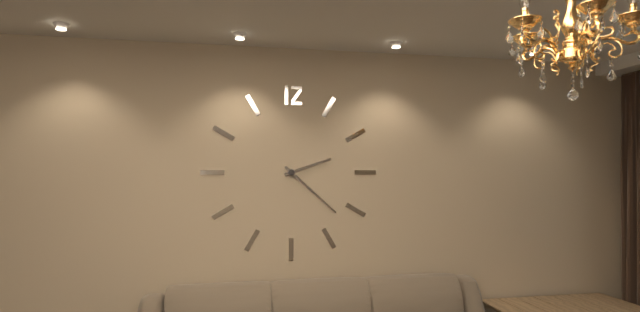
{"hour": 2, "minute": 22}
